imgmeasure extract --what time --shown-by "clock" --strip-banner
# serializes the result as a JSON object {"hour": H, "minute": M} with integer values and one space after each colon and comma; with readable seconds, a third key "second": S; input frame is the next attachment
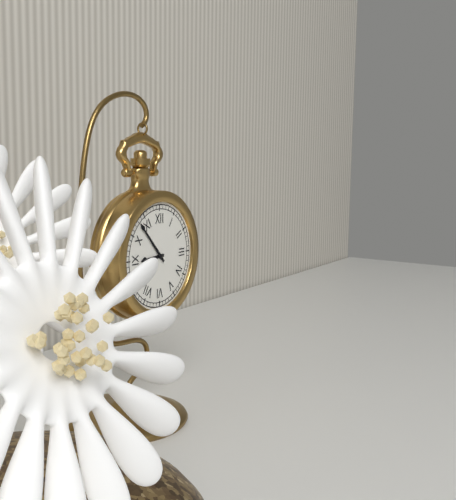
{"hour": 8, "minute": 53}
